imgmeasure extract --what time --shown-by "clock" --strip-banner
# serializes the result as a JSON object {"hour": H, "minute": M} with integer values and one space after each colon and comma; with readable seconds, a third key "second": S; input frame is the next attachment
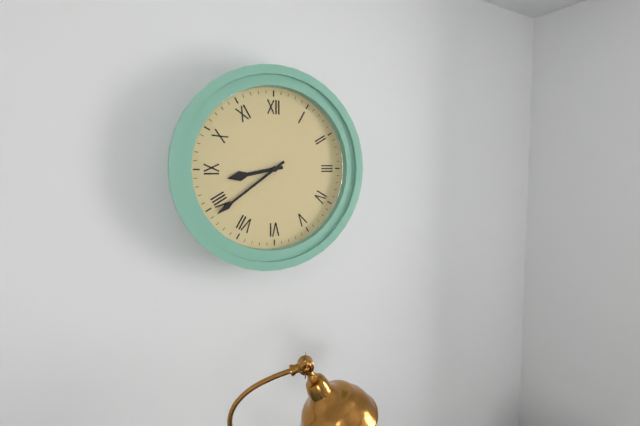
{"hour": 8, "minute": 39}
